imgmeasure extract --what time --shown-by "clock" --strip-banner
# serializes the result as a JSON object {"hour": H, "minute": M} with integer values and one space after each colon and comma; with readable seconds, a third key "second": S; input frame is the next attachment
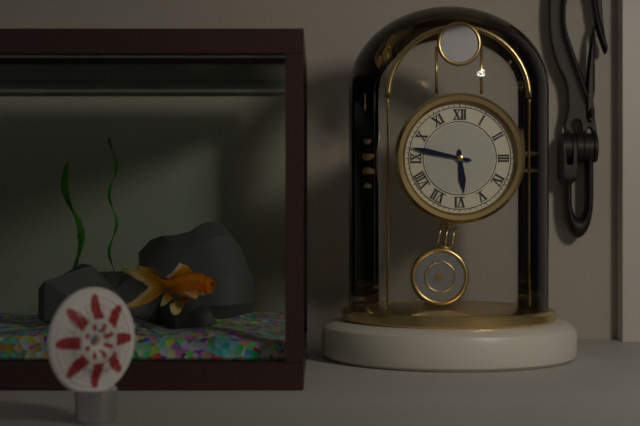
{"hour": 5, "minute": 47}
